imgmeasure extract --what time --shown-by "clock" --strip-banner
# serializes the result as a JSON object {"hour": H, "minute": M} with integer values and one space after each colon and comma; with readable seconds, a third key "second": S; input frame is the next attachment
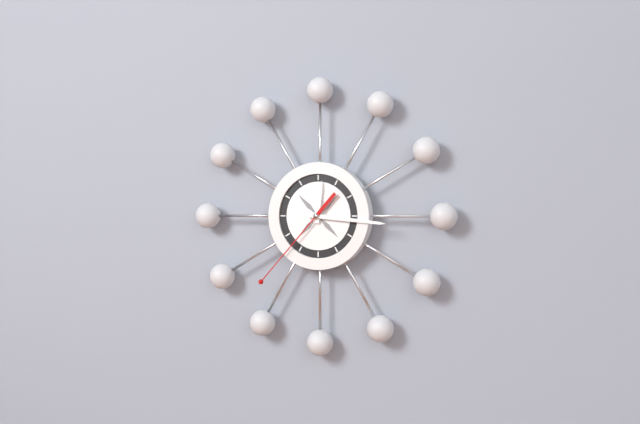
{"hour": 12, "minute": 16, "second": 37}
